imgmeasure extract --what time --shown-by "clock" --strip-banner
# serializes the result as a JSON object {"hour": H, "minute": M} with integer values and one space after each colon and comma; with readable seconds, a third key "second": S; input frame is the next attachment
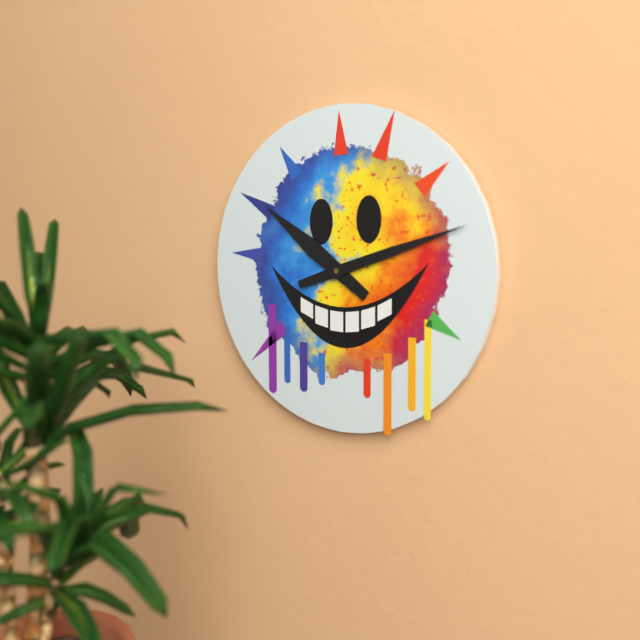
{"hour": 10, "minute": 12}
